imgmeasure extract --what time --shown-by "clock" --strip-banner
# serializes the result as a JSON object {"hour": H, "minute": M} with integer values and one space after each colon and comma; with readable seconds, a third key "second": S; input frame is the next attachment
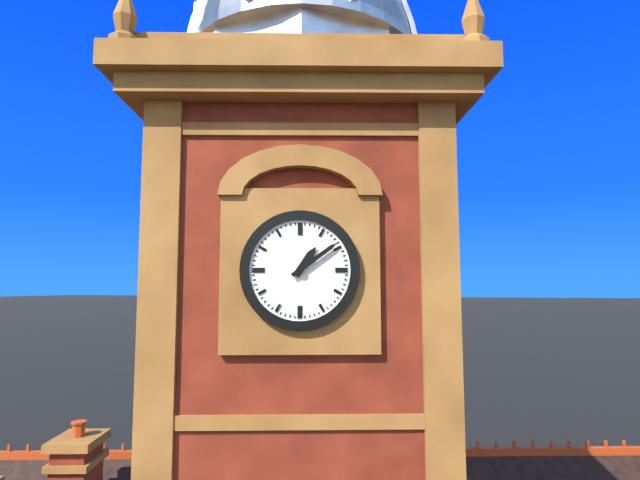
{"hour": 1, "minute": 9}
